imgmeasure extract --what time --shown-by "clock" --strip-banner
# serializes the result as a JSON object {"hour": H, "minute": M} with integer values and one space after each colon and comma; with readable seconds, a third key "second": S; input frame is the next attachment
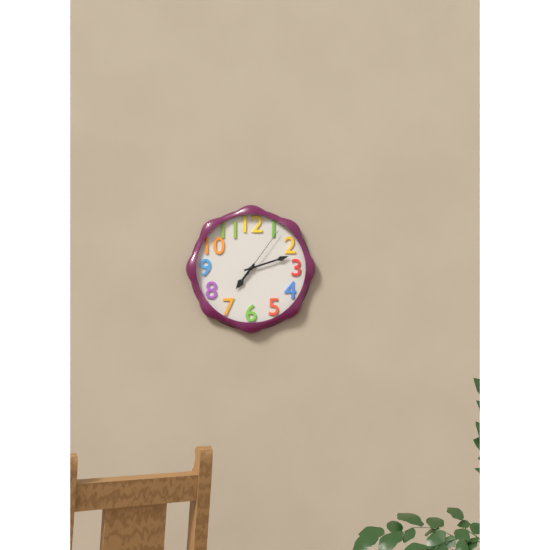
{"hour": 7, "minute": 12, "second": 6}
